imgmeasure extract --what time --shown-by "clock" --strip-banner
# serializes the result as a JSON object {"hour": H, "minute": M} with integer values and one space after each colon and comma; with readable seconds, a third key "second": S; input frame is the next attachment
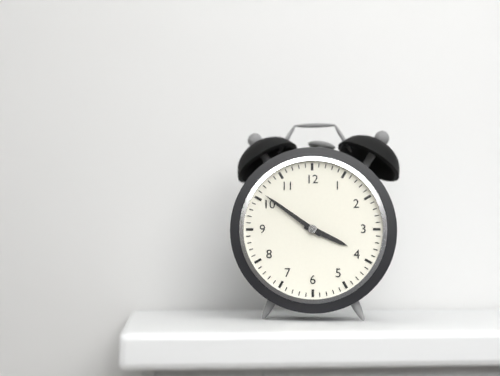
{"hour": 3, "minute": 51}
